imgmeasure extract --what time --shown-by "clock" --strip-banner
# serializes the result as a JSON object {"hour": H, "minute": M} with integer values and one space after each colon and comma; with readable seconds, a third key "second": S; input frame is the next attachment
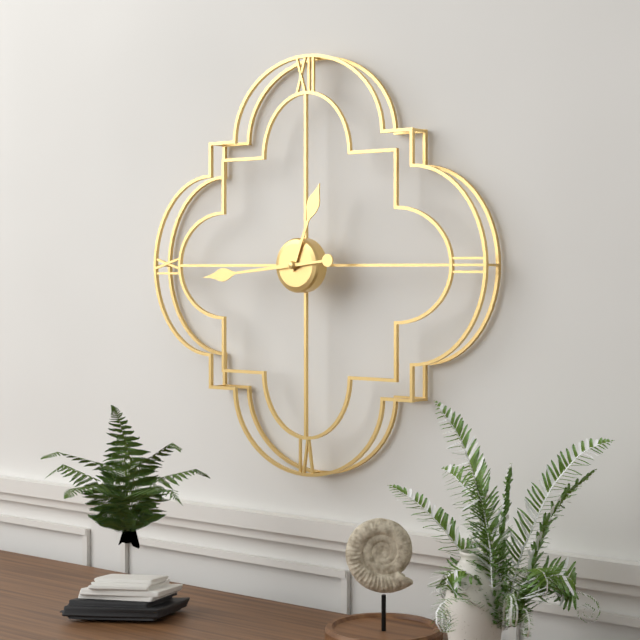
{"hour": 12, "minute": 44}
